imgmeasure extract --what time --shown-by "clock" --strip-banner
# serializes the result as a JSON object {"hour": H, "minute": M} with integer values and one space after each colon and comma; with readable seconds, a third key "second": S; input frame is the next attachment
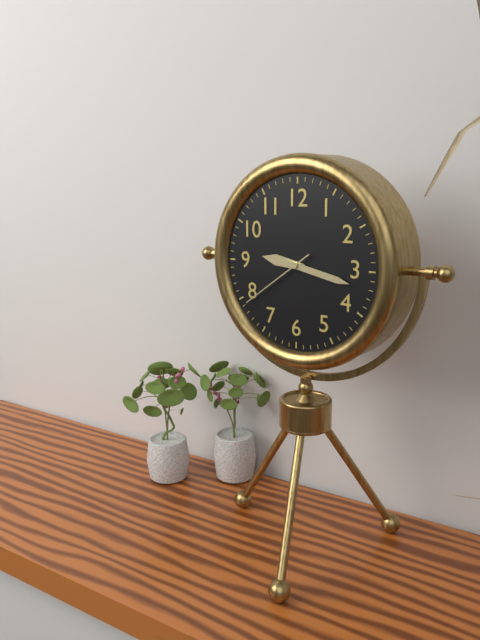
{"hour": 9, "minute": 17, "second": 39}
